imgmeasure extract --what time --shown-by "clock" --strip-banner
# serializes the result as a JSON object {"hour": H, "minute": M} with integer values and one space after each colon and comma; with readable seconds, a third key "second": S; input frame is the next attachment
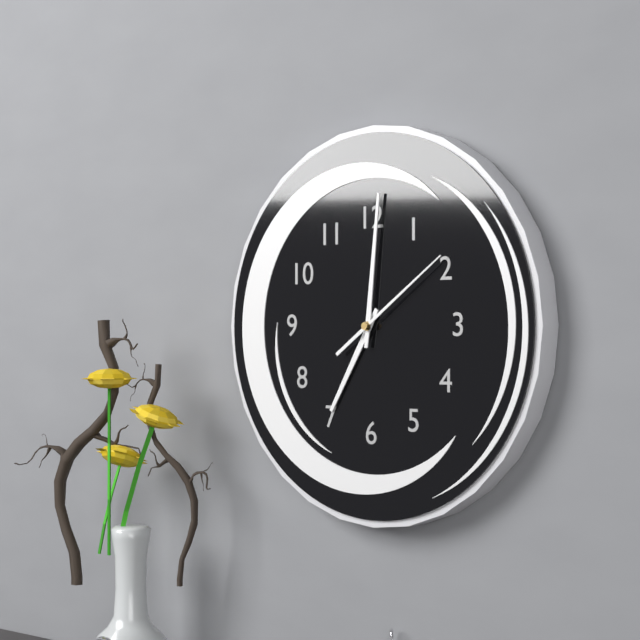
{"hour": 7, "minute": 1, "second": 9}
